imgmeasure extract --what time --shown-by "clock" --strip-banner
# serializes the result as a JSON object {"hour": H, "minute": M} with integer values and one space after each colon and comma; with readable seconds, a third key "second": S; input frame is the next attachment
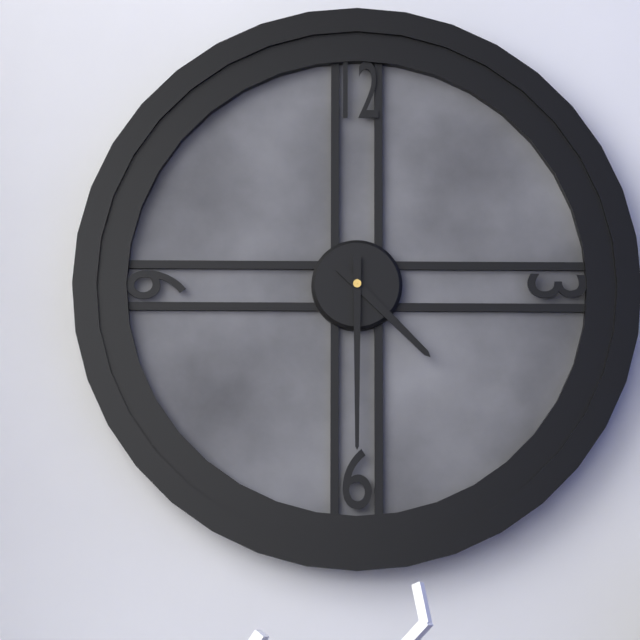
{"hour": 4, "minute": 30}
